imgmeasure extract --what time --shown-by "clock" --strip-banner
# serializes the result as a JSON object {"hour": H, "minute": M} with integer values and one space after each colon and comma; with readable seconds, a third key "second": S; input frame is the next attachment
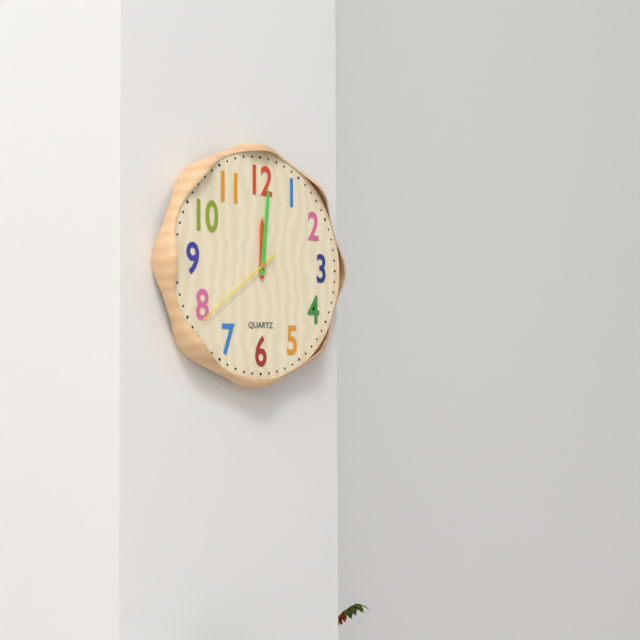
{"hour": 12, "minute": 1, "second": 39}
